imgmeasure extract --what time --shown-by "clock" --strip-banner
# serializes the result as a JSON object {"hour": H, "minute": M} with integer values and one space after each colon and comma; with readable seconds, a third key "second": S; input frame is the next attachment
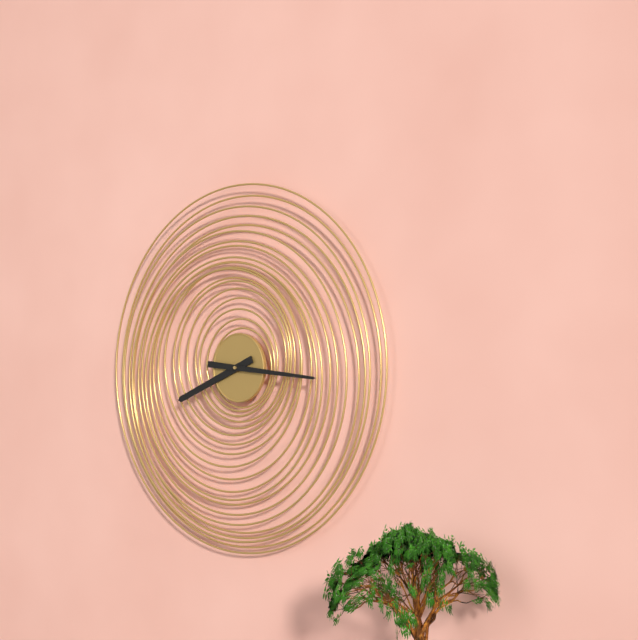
{"hour": 8, "minute": 16}
